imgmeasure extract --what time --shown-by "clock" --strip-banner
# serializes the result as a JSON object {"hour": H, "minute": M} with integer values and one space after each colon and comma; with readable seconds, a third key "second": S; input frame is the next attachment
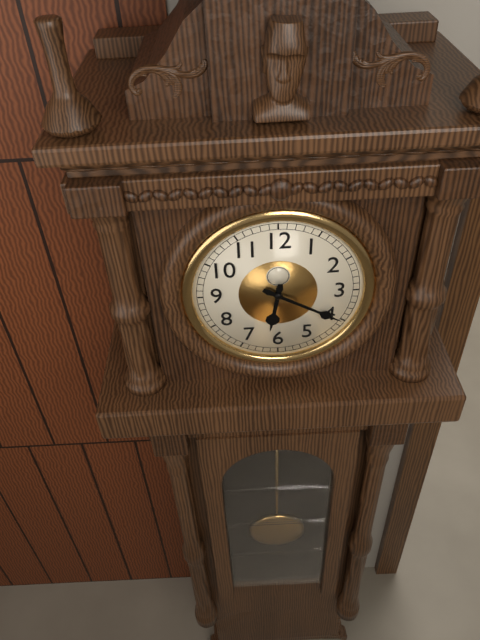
{"hour": 6, "minute": 20}
